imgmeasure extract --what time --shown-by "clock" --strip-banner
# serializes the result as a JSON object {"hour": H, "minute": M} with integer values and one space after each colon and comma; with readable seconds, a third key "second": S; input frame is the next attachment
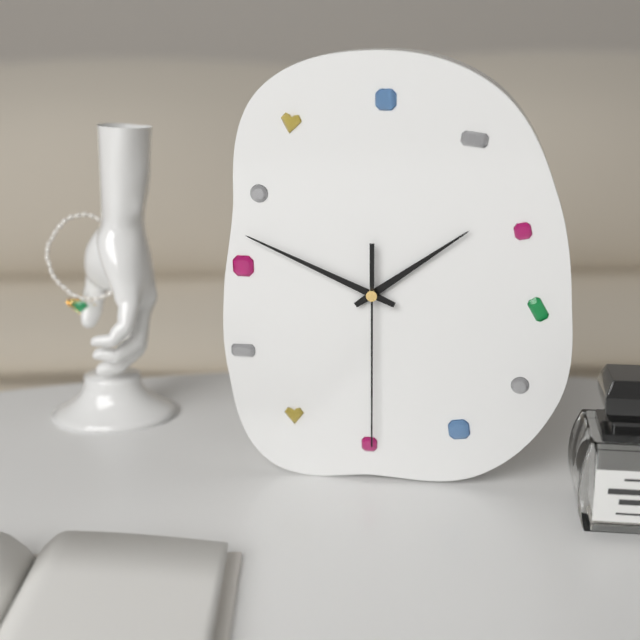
{"hour": 1, "minute": 49, "second": 30}
